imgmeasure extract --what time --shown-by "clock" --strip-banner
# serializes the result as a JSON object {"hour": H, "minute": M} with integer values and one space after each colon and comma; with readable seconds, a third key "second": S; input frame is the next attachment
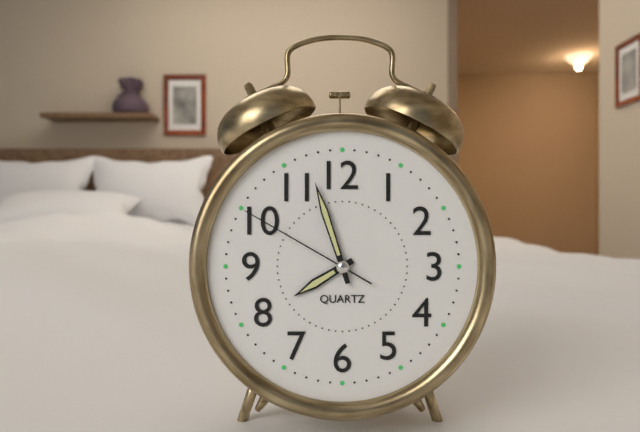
{"hour": 7, "minute": 57, "second": 50}
